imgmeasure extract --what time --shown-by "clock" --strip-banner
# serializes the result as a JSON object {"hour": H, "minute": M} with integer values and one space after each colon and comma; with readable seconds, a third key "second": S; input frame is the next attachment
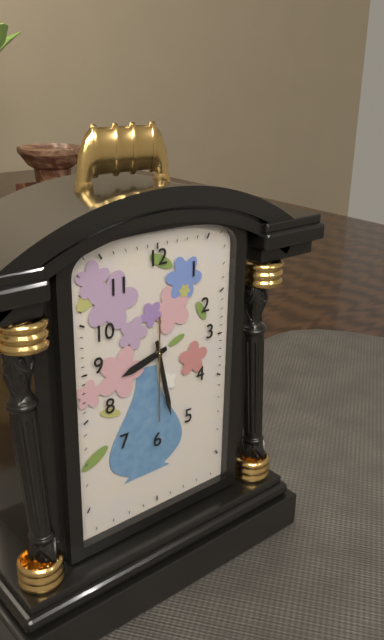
{"hour": 8, "minute": 28, "second": 30}
